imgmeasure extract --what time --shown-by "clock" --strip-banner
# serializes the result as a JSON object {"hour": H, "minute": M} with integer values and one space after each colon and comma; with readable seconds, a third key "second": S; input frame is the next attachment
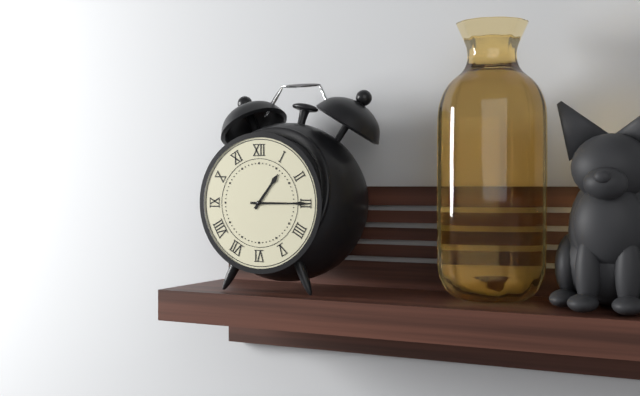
{"hour": 1, "minute": 15}
